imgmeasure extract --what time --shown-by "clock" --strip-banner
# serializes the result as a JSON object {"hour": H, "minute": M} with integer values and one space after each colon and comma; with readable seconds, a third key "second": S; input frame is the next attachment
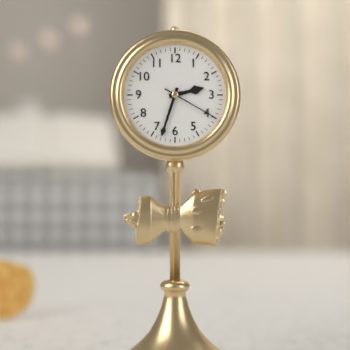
{"hour": 2, "minute": 33, "second": 20}
